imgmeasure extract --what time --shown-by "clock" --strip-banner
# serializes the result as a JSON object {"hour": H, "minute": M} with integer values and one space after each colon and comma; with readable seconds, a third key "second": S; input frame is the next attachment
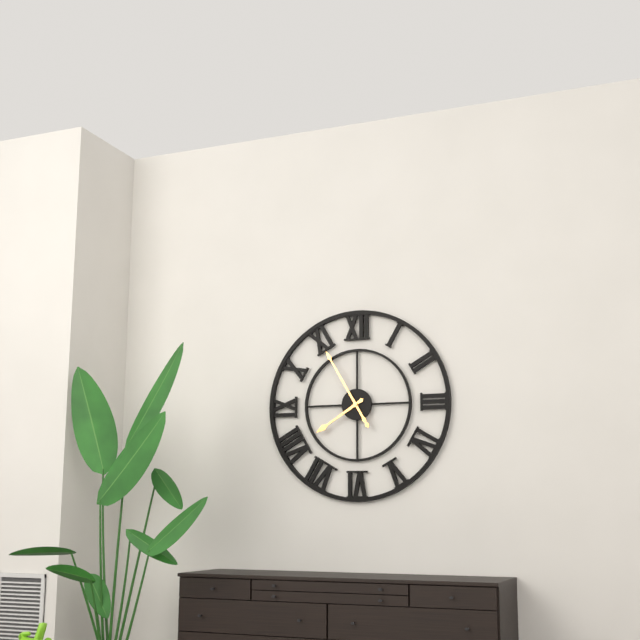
{"hour": 7, "minute": 55}
